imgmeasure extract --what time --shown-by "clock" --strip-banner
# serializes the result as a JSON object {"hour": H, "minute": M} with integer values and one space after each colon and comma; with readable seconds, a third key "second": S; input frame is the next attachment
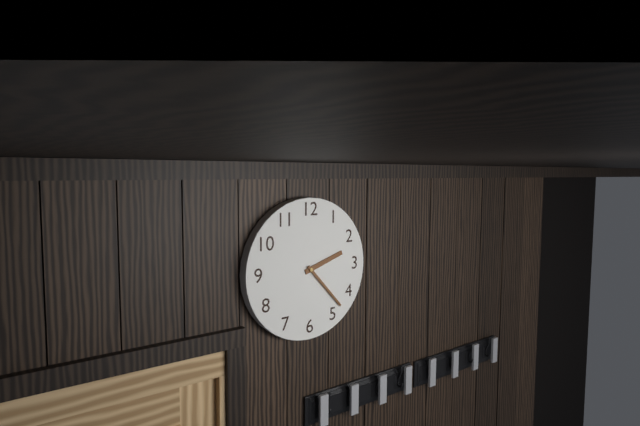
{"hour": 2, "minute": 23}
